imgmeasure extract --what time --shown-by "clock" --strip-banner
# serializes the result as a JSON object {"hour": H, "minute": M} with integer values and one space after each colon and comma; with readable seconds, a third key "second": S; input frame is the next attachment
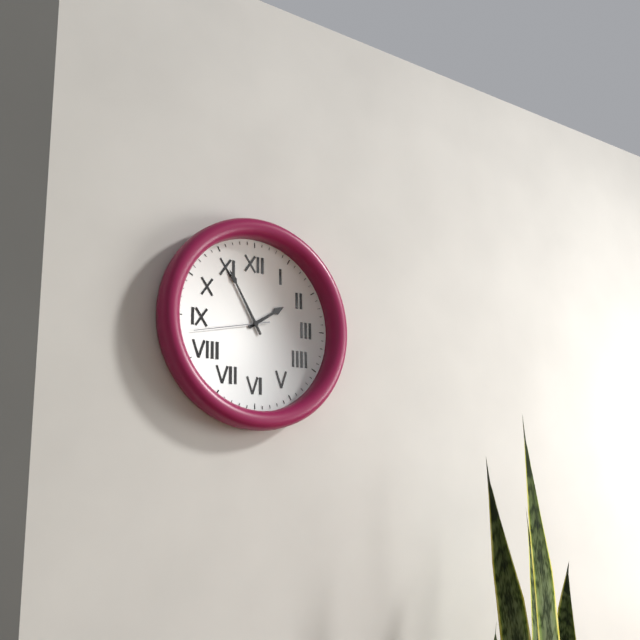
{"hour": 1, "minute": 55, "second": 43}
